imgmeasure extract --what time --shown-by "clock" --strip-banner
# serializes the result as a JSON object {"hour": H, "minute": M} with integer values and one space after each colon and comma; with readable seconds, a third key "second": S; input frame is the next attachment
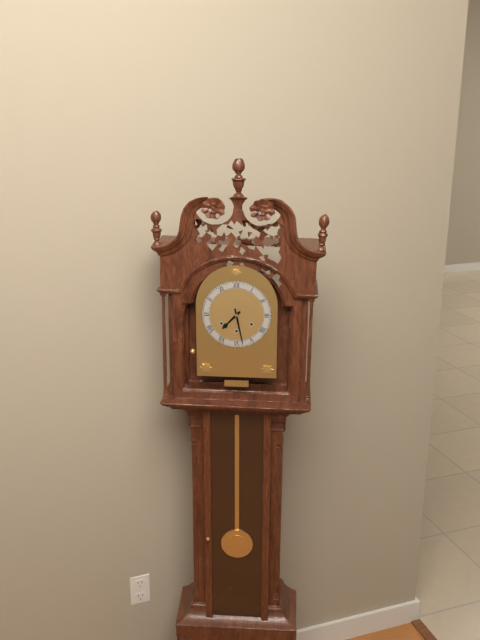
{"hour": 7, "minute": 28}
